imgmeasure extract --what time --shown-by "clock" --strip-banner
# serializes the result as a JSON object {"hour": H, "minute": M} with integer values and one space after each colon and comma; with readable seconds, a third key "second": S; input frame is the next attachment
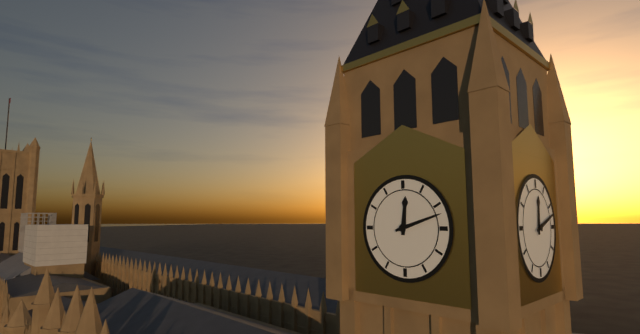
{"hour": 12, "minute": 12}
